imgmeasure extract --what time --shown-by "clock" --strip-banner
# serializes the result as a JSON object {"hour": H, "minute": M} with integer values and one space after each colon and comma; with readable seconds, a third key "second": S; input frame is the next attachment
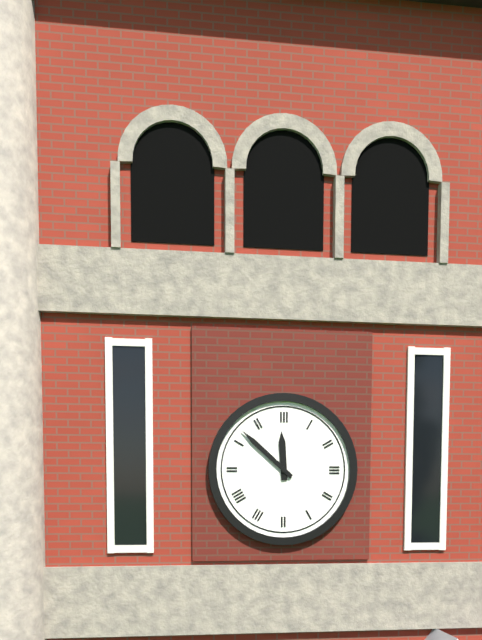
{"hour": 11, "minute": 52}
